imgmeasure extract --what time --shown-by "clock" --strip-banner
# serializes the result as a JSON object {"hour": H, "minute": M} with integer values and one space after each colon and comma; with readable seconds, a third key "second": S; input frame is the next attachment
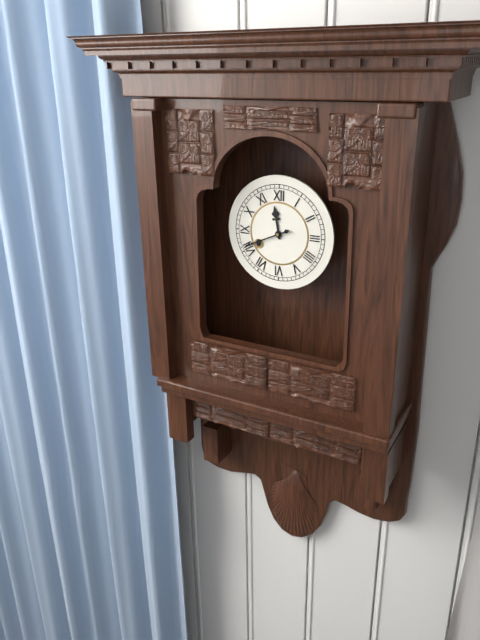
{"hour": 11, "minute": 41}
